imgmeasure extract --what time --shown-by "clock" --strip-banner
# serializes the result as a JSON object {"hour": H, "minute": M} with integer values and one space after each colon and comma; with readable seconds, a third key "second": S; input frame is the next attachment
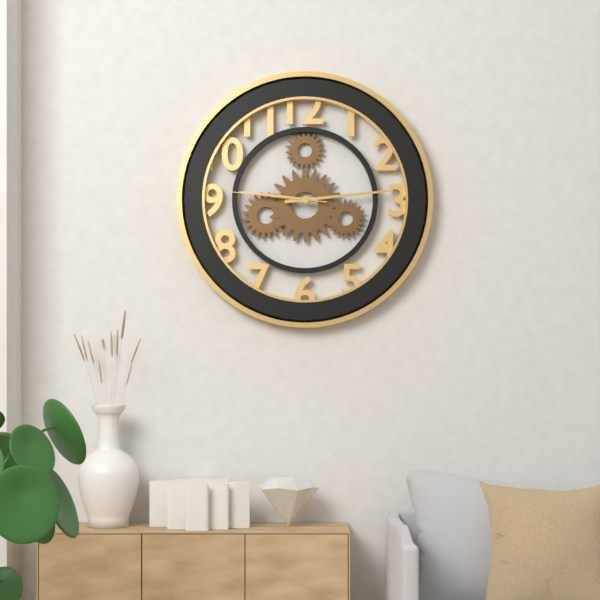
{"hour": 9, "minute": 14, "second": 46}
